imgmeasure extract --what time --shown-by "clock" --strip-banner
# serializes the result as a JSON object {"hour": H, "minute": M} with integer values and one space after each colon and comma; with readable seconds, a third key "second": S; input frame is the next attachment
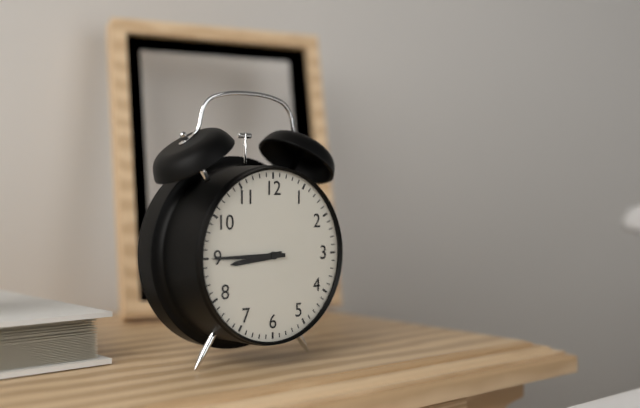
{"hour": 8, "minute": 45}
